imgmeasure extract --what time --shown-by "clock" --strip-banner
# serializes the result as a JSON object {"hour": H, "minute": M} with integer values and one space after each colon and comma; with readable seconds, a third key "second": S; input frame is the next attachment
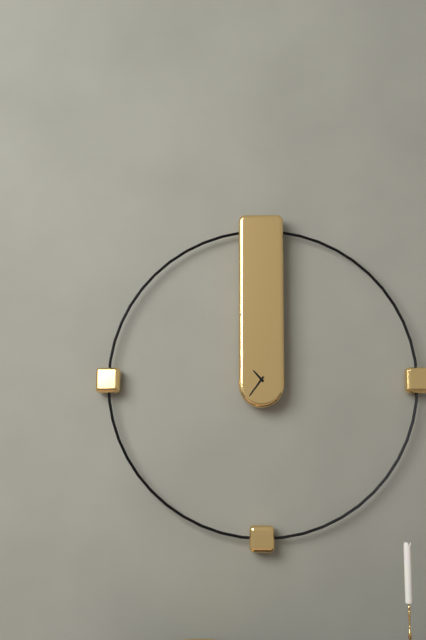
{"hour": 10, "minute": 36}
